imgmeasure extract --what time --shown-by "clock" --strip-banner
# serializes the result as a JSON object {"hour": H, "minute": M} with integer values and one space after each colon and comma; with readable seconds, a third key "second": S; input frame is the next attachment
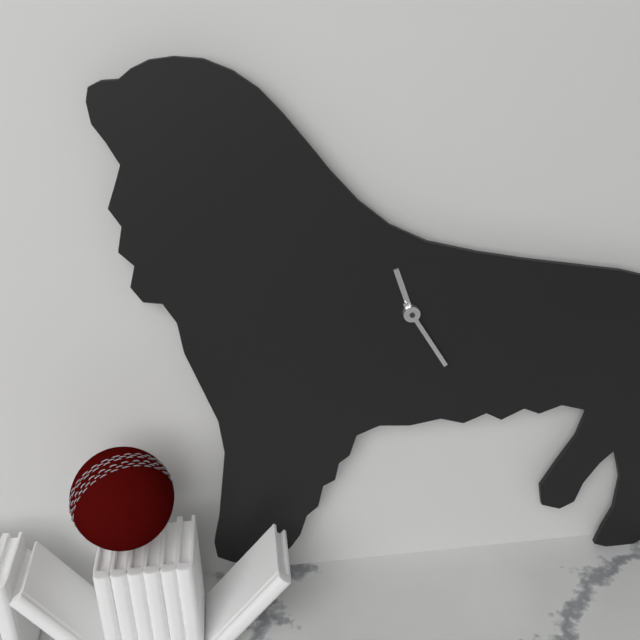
{"hour": 11, "minute": 25}
